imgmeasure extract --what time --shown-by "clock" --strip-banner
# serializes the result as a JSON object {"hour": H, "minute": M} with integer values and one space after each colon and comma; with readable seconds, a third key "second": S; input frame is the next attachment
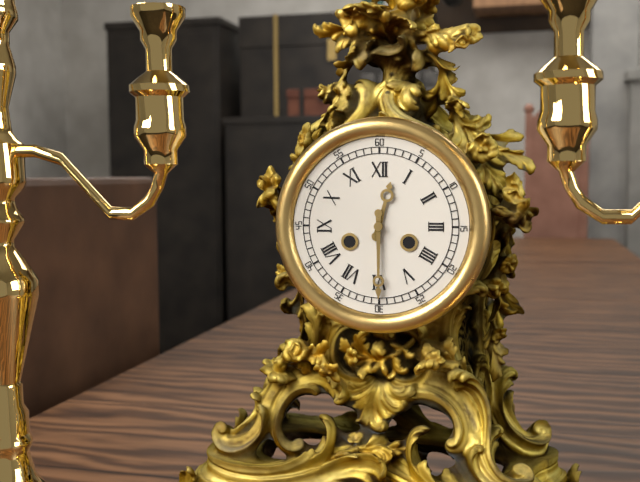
{"hour": 12, "minute": 30}
